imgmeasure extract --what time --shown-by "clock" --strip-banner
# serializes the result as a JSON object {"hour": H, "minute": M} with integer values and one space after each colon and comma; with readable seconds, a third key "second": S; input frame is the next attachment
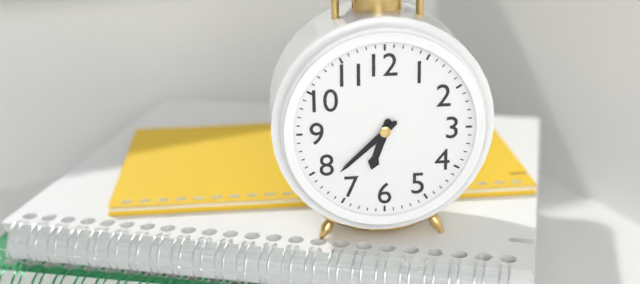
{"hour": 6, "minute": 38}
